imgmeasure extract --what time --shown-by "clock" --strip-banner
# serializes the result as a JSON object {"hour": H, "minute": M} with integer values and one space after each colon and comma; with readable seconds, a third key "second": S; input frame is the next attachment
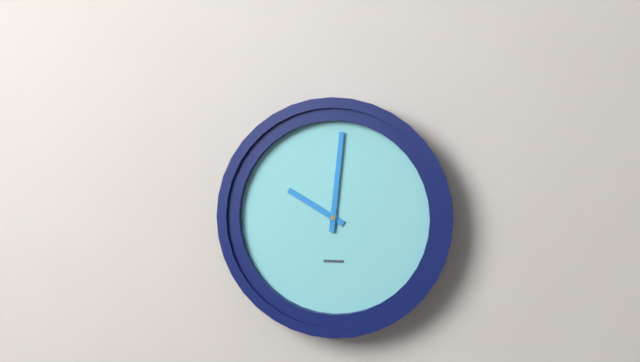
{"hour": 10, "minute": 1}
